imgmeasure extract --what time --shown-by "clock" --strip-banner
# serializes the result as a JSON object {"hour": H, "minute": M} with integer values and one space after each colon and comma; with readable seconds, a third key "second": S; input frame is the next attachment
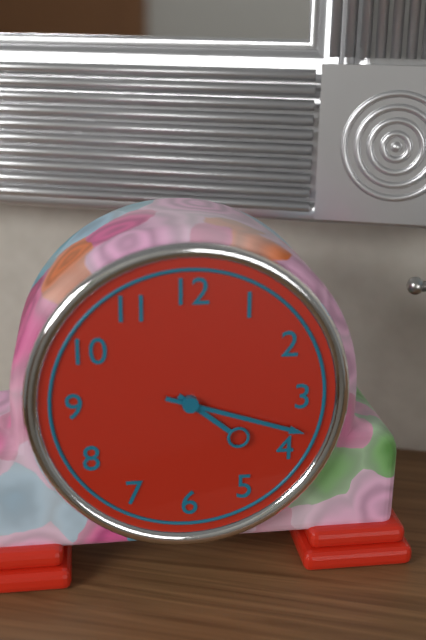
{"hour": 4, "minute": 18}
